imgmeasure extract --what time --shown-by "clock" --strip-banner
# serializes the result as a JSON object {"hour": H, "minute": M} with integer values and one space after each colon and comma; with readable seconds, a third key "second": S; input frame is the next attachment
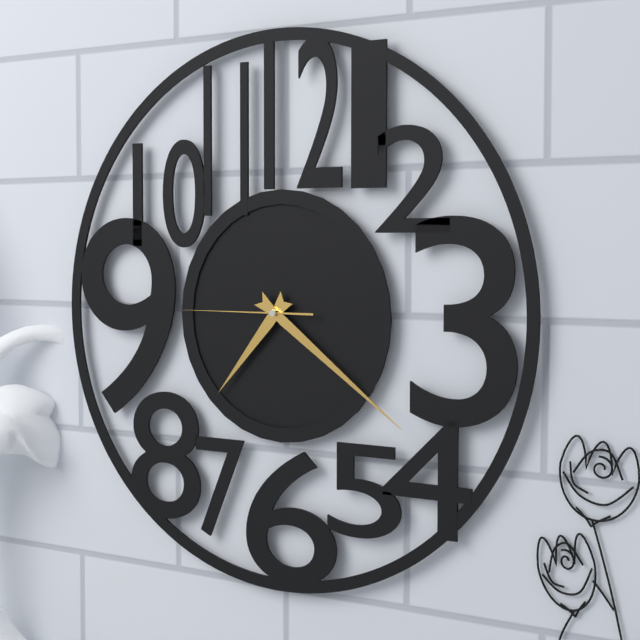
{"hour": 7, "minute": 21, "second": 45}
